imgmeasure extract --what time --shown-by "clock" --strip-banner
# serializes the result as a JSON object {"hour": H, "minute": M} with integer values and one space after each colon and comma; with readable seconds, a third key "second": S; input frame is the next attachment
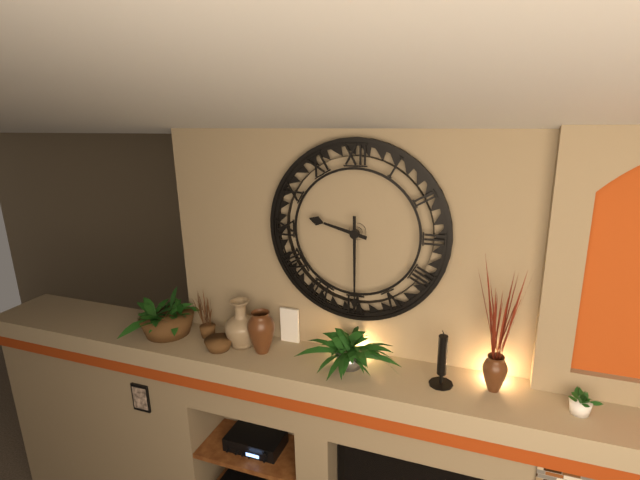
{"hour": 9, "minute": 30}
